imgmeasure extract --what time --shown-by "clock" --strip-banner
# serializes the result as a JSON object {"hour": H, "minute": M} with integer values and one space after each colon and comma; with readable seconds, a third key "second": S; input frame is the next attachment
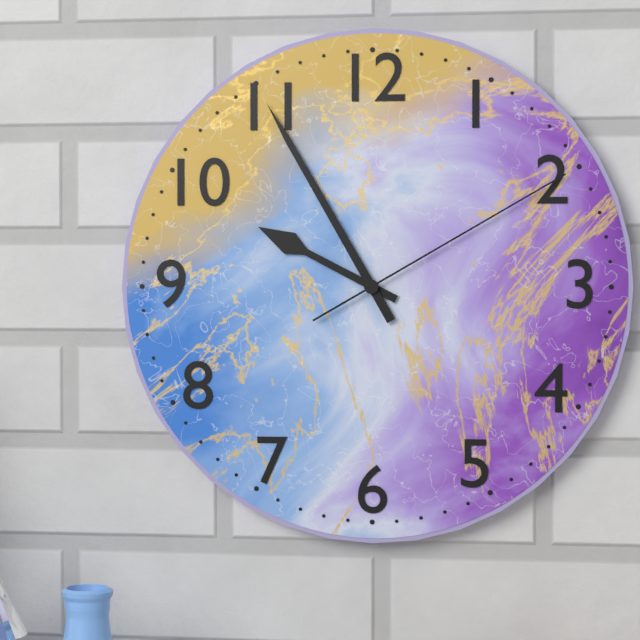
{"hour": 9, "minute": 55, "second": 10}
